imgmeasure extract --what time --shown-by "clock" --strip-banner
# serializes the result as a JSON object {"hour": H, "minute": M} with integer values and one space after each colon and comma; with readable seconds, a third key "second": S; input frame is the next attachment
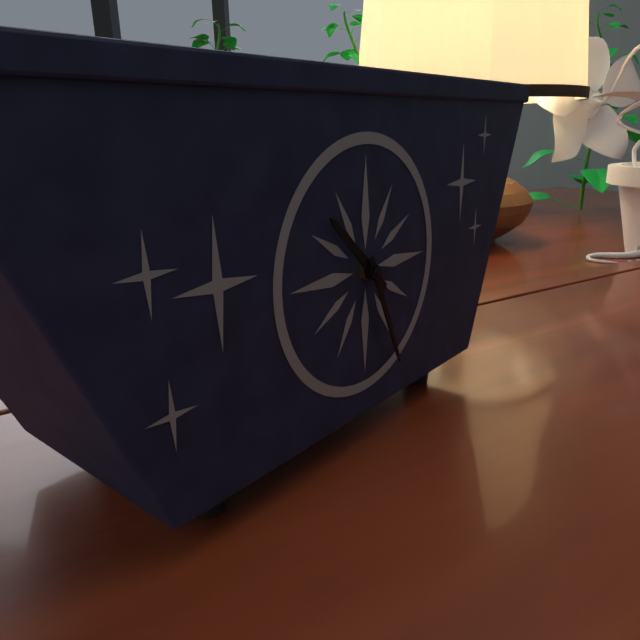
{"hour": 10, "minute": 26}
